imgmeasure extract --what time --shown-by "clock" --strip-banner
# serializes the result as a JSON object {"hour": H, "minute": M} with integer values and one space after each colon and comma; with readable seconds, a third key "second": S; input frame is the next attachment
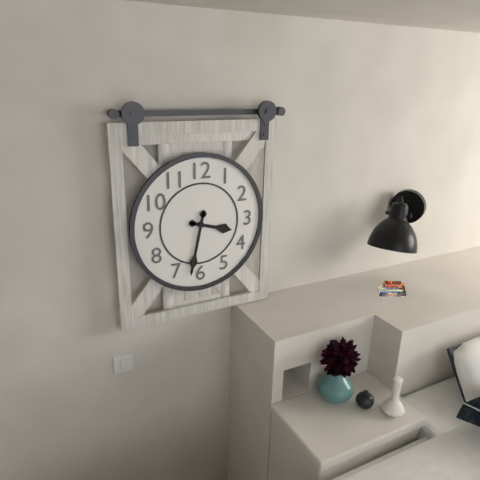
{"hour": 3, "minute": 32}
